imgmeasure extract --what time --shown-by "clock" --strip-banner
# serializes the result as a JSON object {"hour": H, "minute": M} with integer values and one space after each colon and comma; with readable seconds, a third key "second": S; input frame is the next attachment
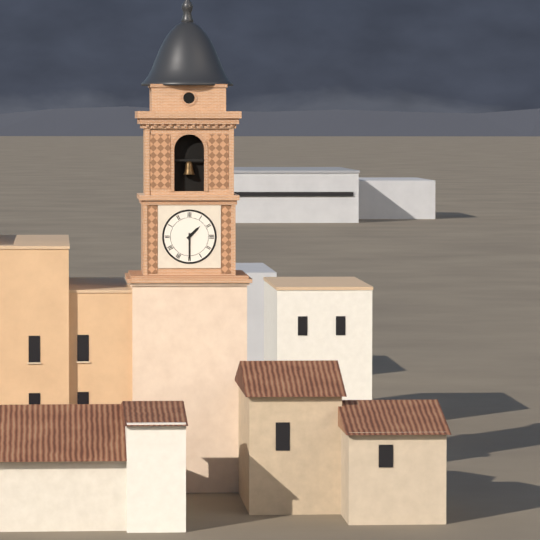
{"hour": 1, "minute": 30}
